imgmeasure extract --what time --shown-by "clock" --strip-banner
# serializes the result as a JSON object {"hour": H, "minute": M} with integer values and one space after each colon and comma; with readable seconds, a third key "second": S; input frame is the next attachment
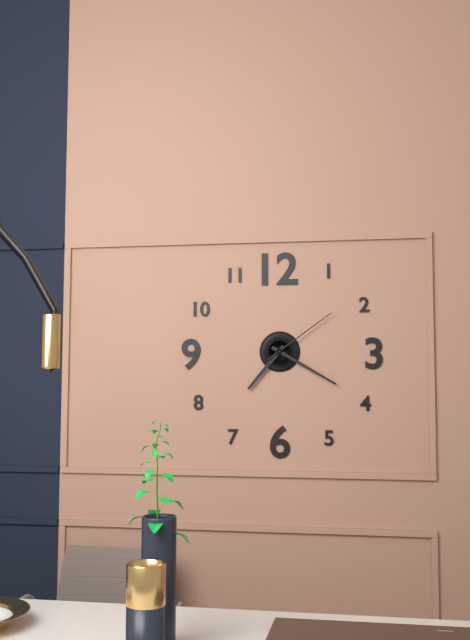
{"hour": 7, "minute": 20, "second": 9}
